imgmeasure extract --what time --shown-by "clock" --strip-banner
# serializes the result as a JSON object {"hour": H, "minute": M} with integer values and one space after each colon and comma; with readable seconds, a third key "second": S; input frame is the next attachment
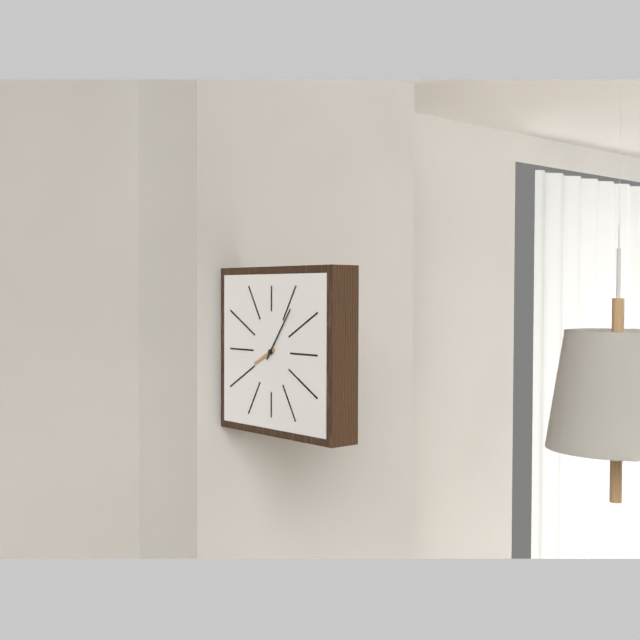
{"hour": 8, "minute": 6}
